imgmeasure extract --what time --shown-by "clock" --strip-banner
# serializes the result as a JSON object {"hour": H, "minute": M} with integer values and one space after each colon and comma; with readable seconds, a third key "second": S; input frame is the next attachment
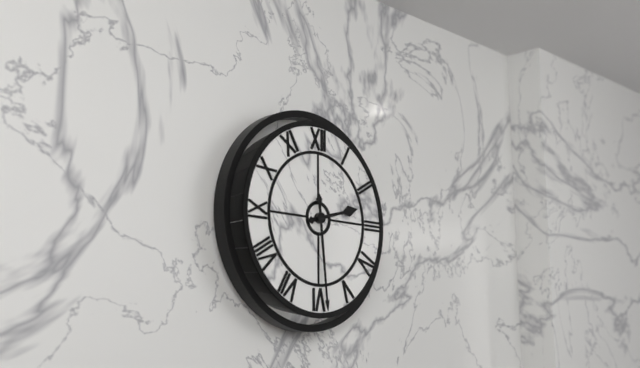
{"hour": 2, "minute": 29}
